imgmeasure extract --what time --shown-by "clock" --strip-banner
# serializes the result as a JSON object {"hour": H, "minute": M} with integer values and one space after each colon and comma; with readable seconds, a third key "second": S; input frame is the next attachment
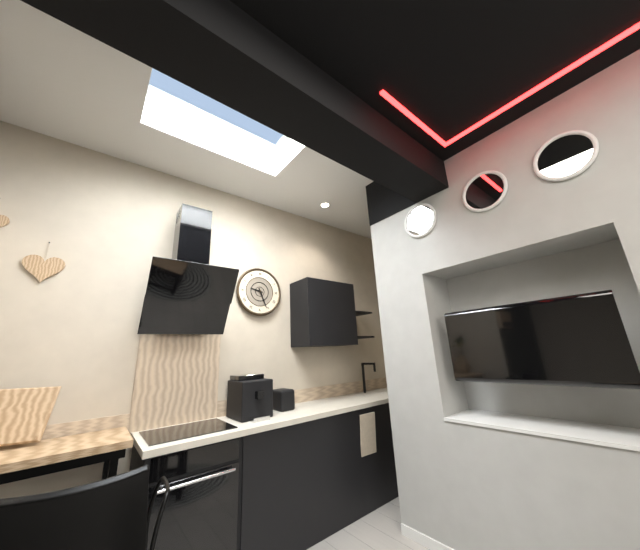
{"hour": 9, "minute": 26}
